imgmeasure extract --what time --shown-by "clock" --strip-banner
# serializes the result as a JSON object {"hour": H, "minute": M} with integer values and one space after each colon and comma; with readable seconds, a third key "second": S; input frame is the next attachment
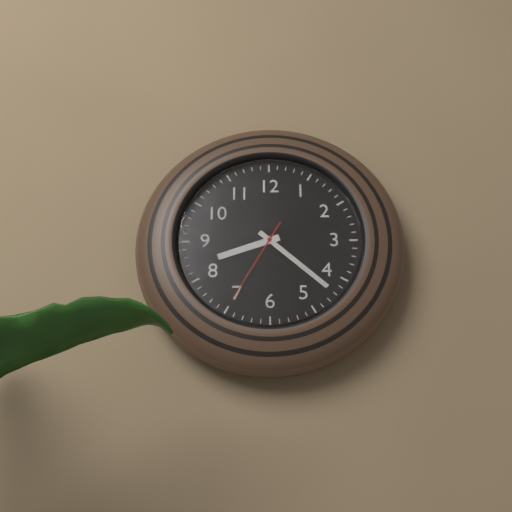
{"hour": 8, "minute": 22, "second": 35}
